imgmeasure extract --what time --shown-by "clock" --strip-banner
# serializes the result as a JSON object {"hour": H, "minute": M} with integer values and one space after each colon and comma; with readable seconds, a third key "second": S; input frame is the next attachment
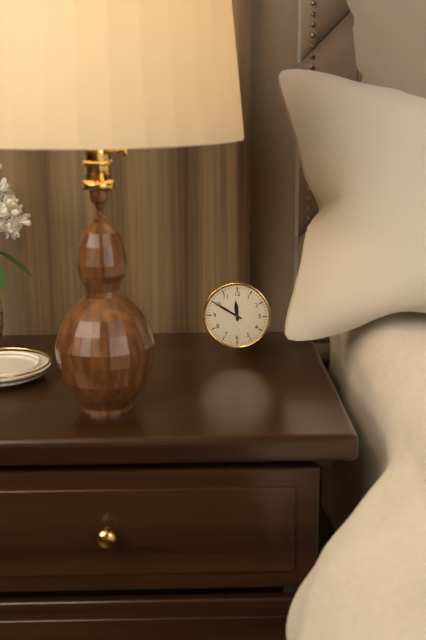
{"hour": 11, "minute": 50}
